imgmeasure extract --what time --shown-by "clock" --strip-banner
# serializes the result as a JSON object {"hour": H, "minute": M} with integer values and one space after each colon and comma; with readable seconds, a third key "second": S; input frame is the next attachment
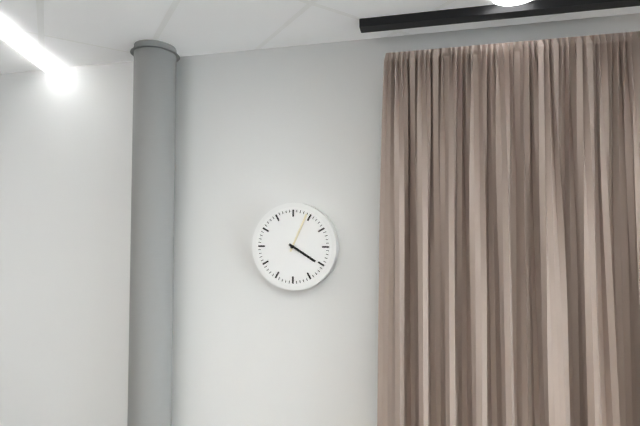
{"hour": 4, "minute": 4}
